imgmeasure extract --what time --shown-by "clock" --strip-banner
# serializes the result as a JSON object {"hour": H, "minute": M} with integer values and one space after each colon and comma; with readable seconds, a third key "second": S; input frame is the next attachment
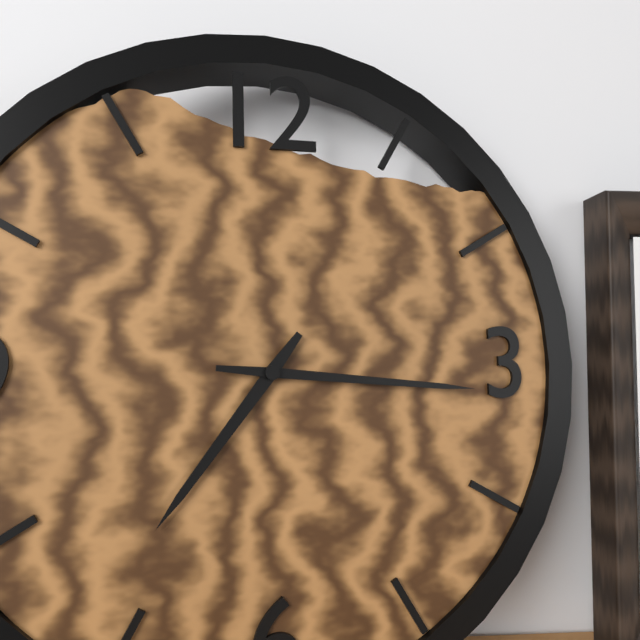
{"hour": 7, "minute": 16}
